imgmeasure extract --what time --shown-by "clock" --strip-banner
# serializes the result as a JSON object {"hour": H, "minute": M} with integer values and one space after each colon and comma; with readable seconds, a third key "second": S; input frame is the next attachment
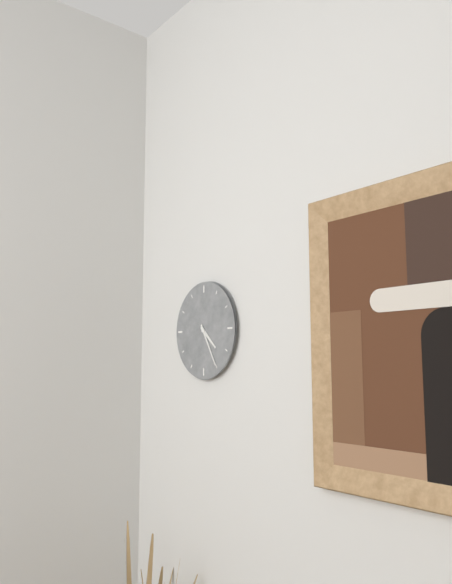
{"hour": 4, "minute": 25}
